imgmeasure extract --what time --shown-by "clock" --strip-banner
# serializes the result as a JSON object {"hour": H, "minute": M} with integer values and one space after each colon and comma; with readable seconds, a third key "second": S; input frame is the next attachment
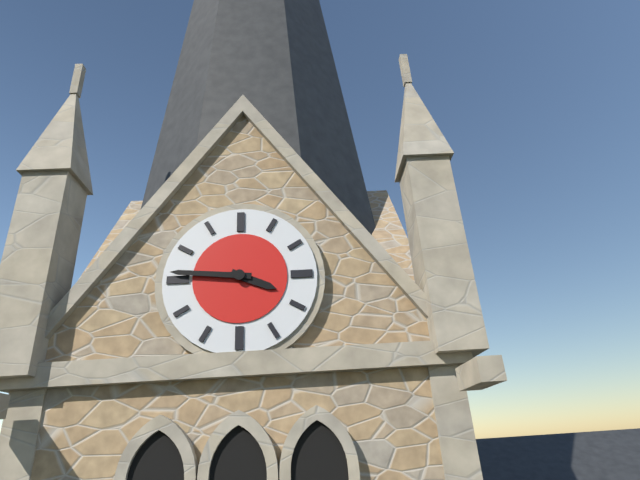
{"hour": 3, "minute": 46}
